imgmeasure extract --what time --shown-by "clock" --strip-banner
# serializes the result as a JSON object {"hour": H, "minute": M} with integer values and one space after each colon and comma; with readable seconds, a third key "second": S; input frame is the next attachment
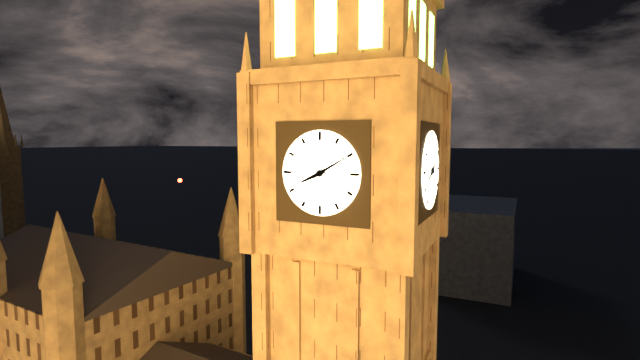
{"hour": 8, "minute": 10}
